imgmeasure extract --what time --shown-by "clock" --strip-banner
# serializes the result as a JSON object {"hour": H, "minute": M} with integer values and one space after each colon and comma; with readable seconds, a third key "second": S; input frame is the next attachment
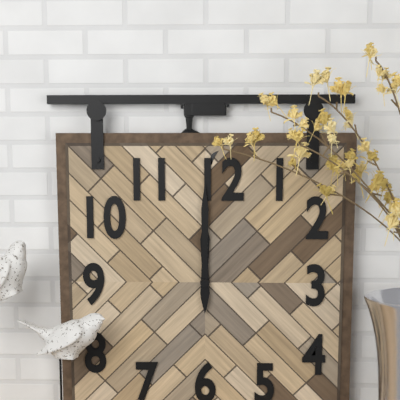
{"hour": 12, "minute": 0}
